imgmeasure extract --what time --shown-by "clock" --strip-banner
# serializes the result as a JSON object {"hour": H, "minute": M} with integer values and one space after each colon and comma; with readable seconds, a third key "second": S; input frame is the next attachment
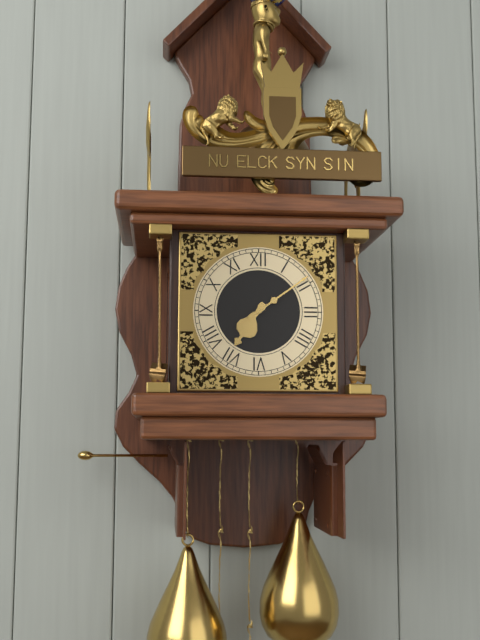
{"hour": 7, "minute": 9}
